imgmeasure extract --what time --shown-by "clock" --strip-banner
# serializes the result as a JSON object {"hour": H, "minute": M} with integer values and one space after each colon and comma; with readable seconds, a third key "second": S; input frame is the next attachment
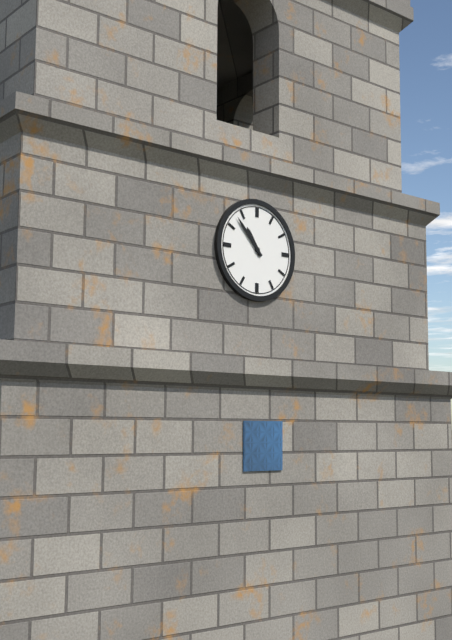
{"hour": 10, "minute": 53}
